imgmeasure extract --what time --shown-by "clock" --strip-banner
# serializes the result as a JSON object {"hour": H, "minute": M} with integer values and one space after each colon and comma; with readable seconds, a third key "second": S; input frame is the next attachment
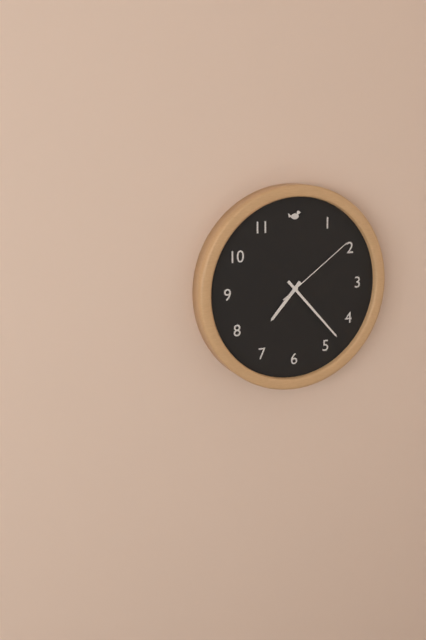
{"hour": 7, "minute": 23, "second": 9}
